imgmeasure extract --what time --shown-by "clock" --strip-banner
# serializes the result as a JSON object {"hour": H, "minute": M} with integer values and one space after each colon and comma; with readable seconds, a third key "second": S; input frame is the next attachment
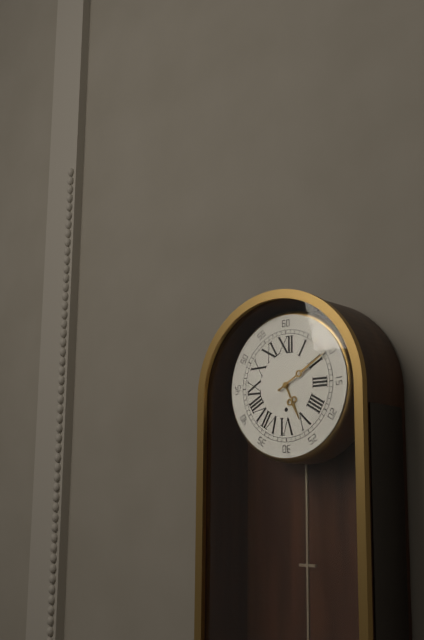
{"hour": 5, "minute": 10}
